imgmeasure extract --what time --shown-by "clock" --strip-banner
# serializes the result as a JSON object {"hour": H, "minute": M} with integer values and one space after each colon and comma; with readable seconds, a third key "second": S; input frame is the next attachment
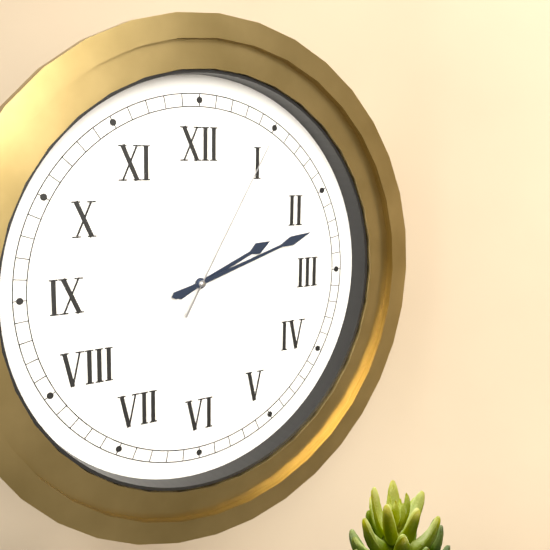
{"hour": 2, "minute": 12, "second": 5}
